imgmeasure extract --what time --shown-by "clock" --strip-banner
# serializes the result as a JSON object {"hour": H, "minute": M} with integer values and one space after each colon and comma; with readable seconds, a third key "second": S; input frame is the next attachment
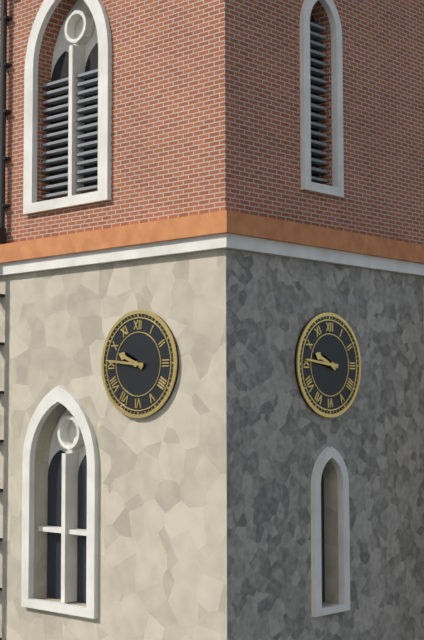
{"hour": 9, "minute": 46}
